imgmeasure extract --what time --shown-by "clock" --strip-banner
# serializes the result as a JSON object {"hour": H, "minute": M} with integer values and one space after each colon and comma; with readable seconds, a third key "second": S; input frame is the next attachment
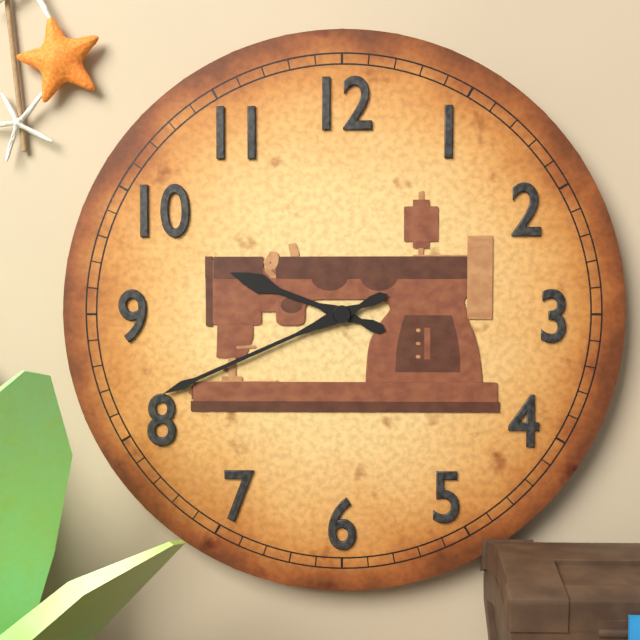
{"hour": 9, "minute": 41}
